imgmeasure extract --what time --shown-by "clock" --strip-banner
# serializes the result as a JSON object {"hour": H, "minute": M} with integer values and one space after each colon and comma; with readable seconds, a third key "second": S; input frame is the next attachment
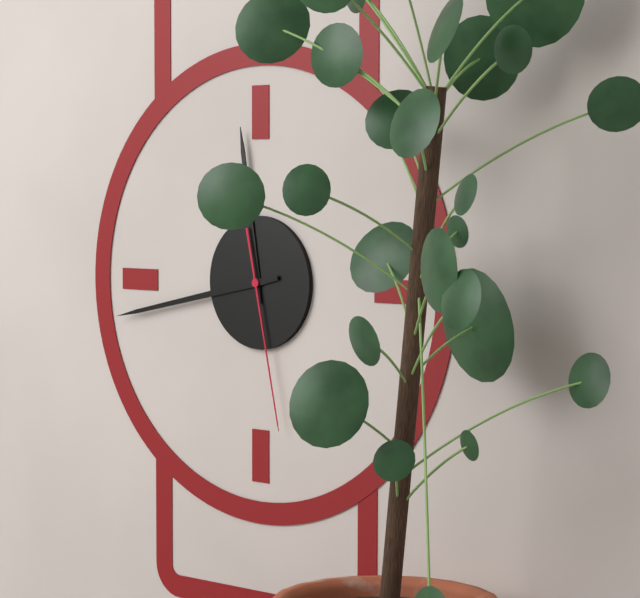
{"hour": 11, "minute": 43, "second": 28}
